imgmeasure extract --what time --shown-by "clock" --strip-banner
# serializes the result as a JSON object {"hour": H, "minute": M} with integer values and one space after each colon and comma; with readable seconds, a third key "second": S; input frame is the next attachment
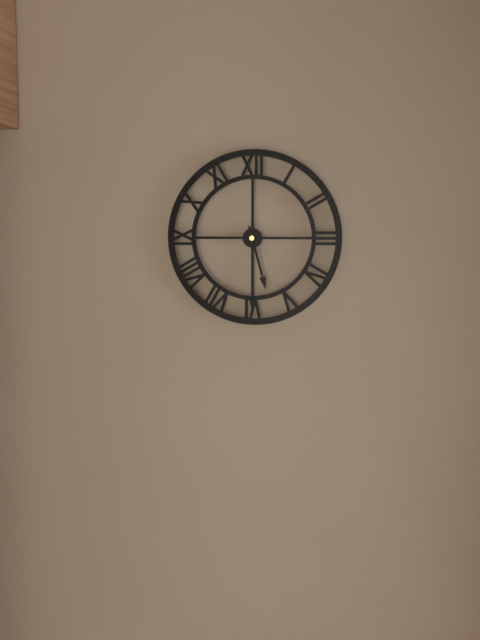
{"hour": 5, "minute": 30}
